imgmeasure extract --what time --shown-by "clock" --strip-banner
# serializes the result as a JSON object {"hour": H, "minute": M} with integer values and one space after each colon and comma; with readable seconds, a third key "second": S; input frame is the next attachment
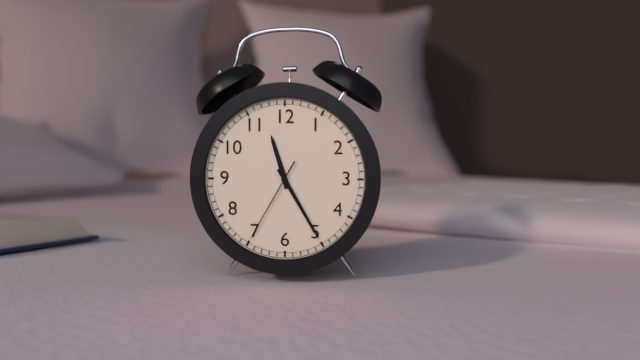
{"hour": 11, "minute": 25, "second": 35}
